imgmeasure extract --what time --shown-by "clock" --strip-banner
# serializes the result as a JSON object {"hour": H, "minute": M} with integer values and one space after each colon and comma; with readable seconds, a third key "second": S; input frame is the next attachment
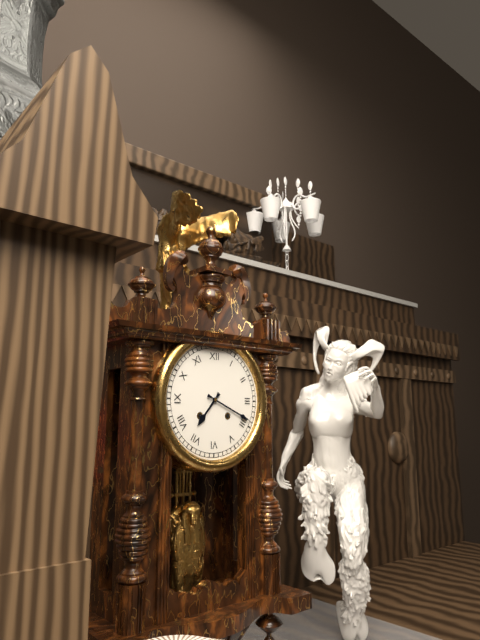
{"hour": 7, "minute": 19}
